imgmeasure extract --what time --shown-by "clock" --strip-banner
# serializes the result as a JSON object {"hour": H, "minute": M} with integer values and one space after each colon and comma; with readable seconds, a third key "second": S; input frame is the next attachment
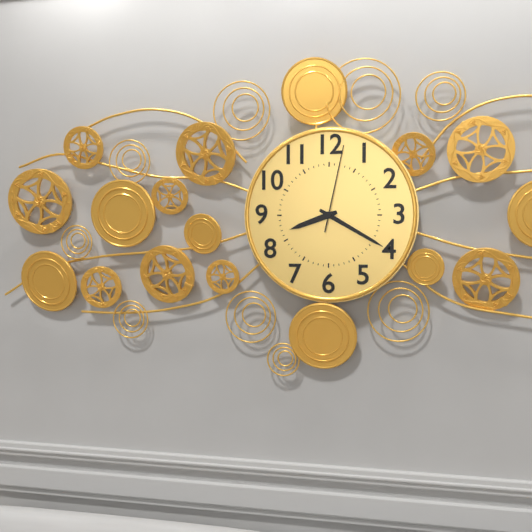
{"hour": 8, "minute": 20, "second": 2}
